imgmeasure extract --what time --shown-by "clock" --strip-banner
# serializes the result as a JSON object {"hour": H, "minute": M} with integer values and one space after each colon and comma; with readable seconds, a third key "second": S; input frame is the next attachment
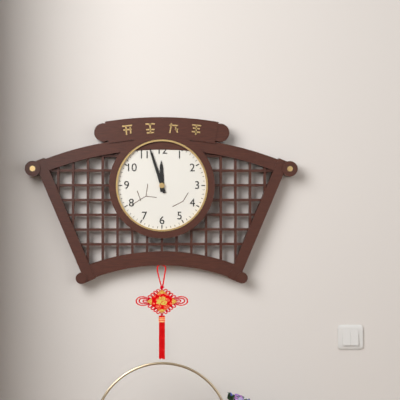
{"hour": 11, "minute": 57}
